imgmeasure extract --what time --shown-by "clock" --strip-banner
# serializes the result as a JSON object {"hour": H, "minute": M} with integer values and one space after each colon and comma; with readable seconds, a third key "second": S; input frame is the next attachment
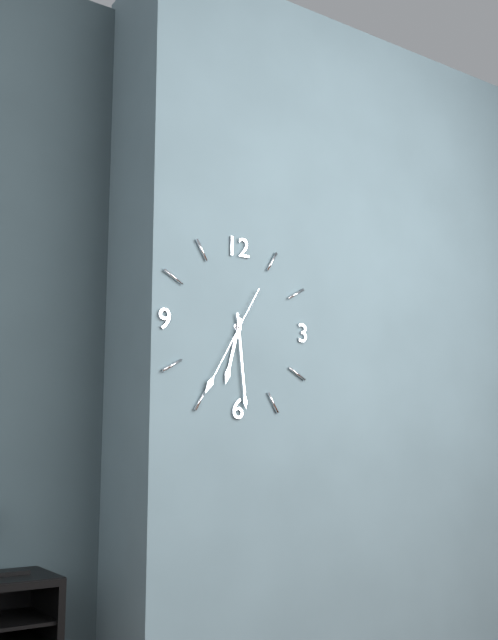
{"hour": 6, "minute": 29, "second": 35}
